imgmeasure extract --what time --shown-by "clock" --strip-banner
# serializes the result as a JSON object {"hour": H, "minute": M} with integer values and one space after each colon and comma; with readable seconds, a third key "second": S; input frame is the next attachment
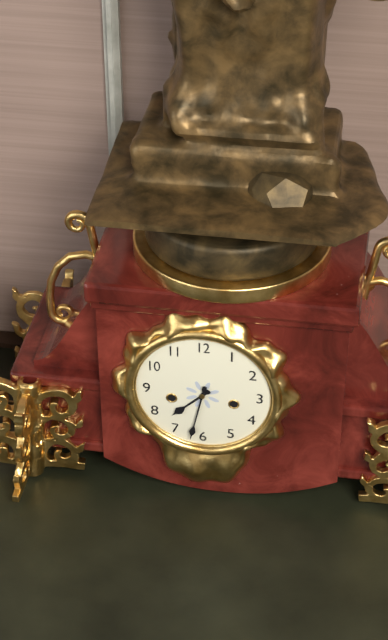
{"hour": 7, "minute": 32}
